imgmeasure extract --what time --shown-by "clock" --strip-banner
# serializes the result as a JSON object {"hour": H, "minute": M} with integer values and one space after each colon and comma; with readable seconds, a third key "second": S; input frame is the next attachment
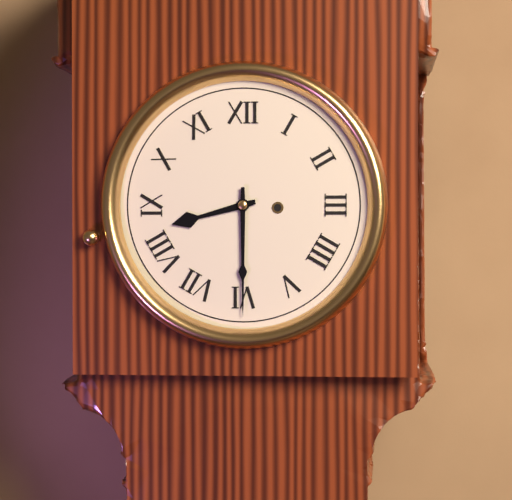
{"hour": 8, "minute": 30}
